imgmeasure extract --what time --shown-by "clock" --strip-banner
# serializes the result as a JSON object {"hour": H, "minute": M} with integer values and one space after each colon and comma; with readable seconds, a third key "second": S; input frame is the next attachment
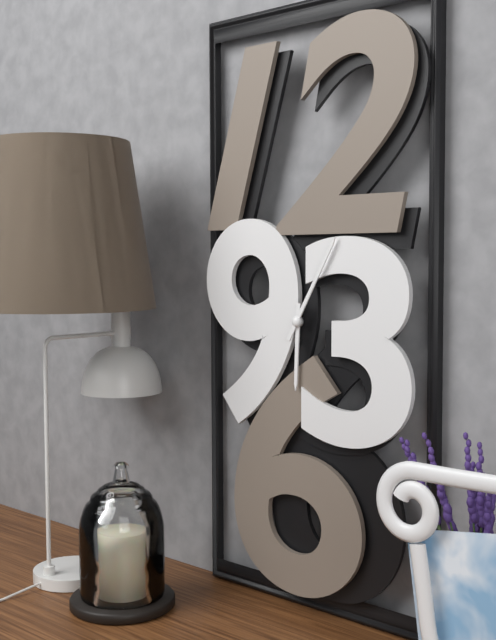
{"hour": 6, "minute": 5}
